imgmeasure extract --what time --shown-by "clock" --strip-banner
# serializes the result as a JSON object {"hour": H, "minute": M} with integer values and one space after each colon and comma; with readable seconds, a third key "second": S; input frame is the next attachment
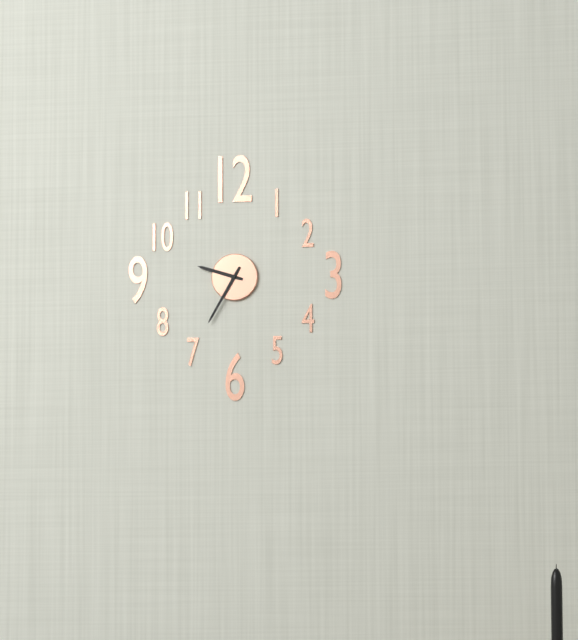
{"hour": 9, "minute": 35}
